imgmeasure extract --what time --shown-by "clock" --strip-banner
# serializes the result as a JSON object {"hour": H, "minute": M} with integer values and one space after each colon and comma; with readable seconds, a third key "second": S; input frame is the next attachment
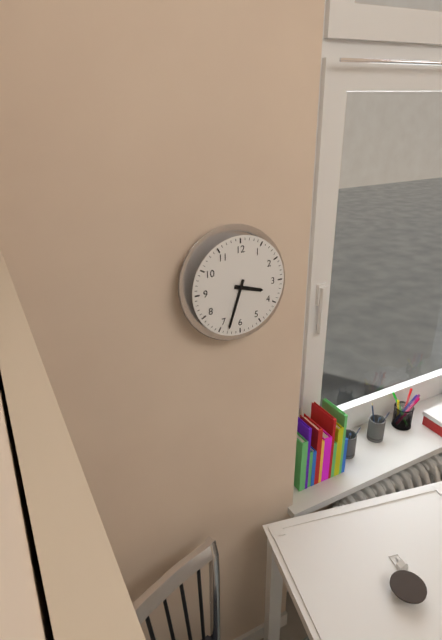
{"hour": 3, "minute": 33}
